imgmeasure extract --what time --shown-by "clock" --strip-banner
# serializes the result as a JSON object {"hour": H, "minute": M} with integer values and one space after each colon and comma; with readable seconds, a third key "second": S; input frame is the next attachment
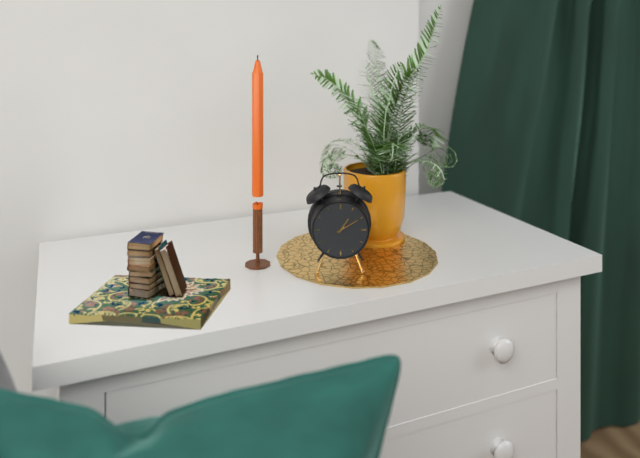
{"hour": 1, "minute": 10}
